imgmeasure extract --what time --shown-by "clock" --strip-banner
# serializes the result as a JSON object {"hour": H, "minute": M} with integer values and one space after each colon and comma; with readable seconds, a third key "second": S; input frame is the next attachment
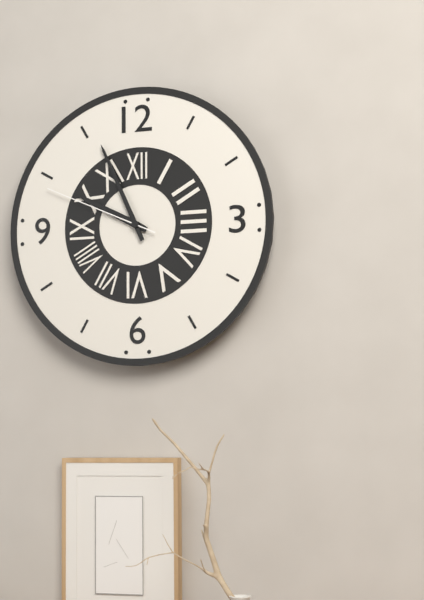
{"hour": 9, "minute": 56, "second": 49}
